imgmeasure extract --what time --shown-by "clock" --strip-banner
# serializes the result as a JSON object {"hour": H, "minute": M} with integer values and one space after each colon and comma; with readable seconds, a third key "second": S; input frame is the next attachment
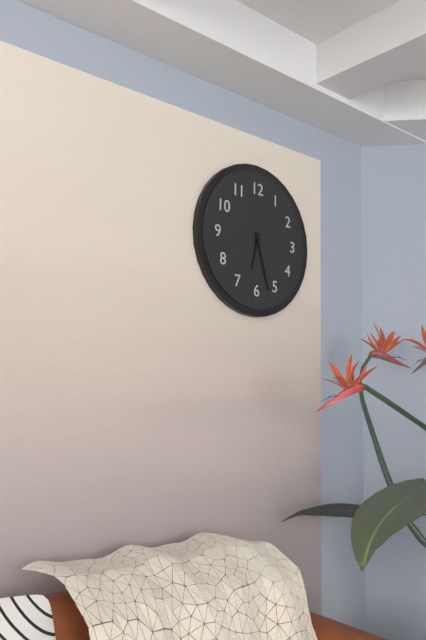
{"hour": 6, "minute": 27}
